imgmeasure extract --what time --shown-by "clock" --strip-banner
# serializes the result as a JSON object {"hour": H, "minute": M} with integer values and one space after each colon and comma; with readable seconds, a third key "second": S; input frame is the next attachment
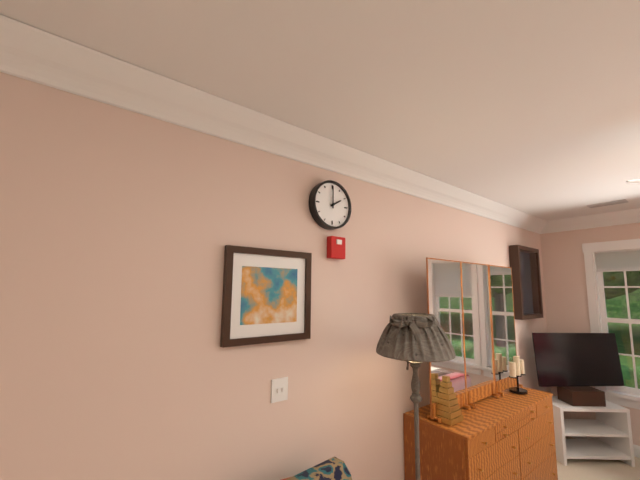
{"hour": 2, "minute": 0}
